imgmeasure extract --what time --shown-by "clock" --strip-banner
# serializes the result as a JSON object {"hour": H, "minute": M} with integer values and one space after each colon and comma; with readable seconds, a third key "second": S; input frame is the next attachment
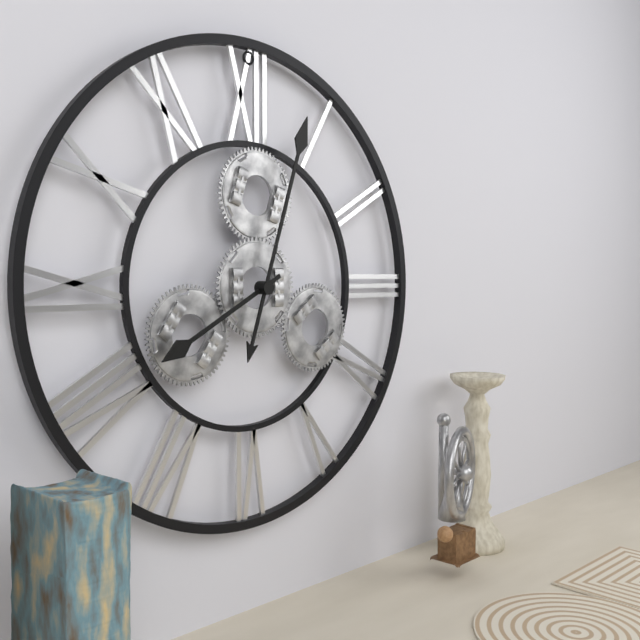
{"hour": 8, "minute": 3}
